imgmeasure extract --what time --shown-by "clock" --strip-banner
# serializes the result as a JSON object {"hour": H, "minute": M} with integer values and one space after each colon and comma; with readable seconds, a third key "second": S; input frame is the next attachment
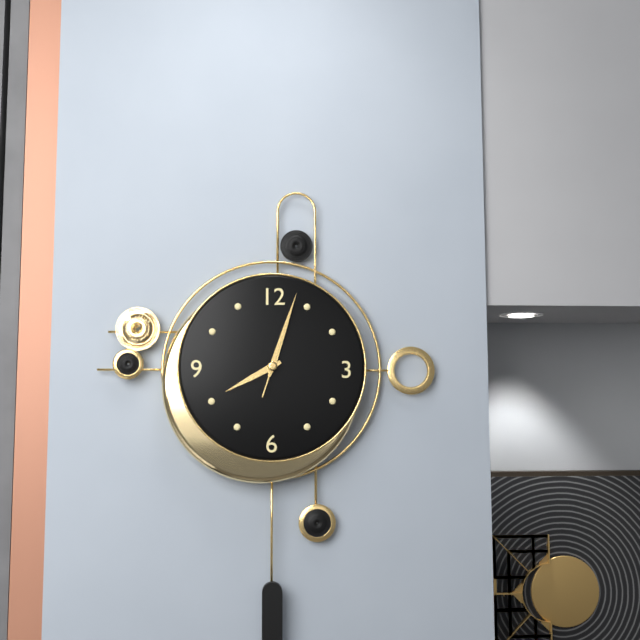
{"hour": 8, "minute": 3, "second": 3}
